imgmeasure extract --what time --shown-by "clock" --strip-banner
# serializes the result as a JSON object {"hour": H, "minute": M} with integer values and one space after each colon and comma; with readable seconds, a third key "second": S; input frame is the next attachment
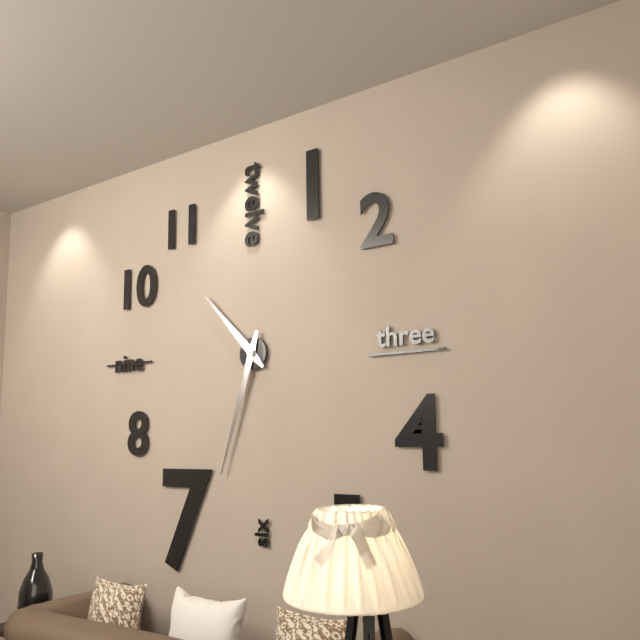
{"hour": 10, "minute": 33}
